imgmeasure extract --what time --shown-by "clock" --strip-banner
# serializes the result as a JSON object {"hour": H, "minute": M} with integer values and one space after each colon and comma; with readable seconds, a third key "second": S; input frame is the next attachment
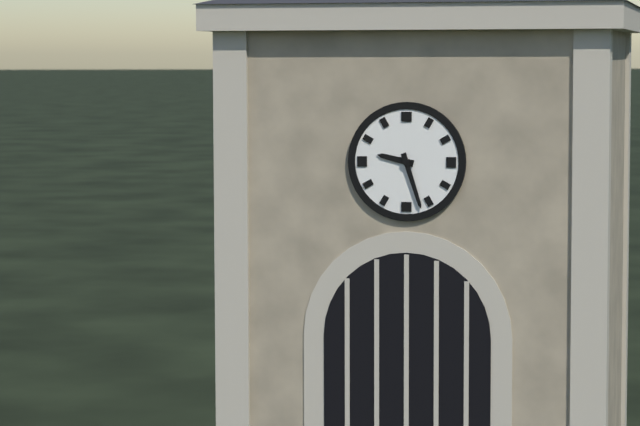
{"hour": 9, "minute": 27}
